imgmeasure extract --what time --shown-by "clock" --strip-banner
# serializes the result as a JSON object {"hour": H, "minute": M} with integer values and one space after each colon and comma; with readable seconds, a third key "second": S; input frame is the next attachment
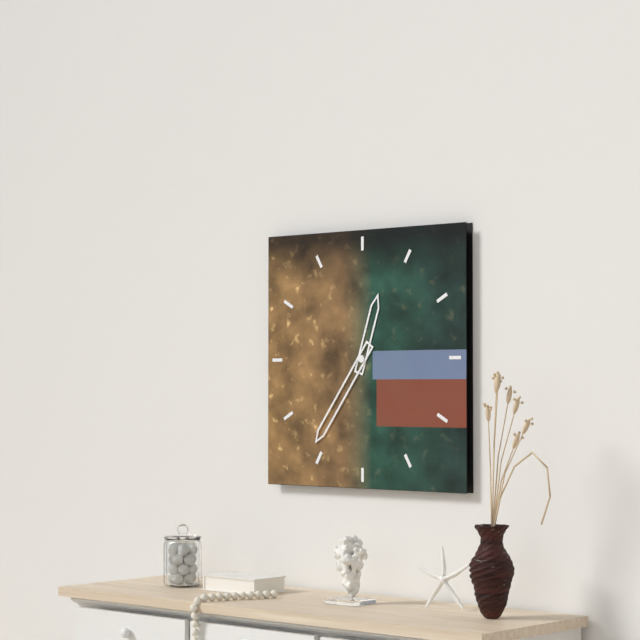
{"hour": 12, "minute": 36}
